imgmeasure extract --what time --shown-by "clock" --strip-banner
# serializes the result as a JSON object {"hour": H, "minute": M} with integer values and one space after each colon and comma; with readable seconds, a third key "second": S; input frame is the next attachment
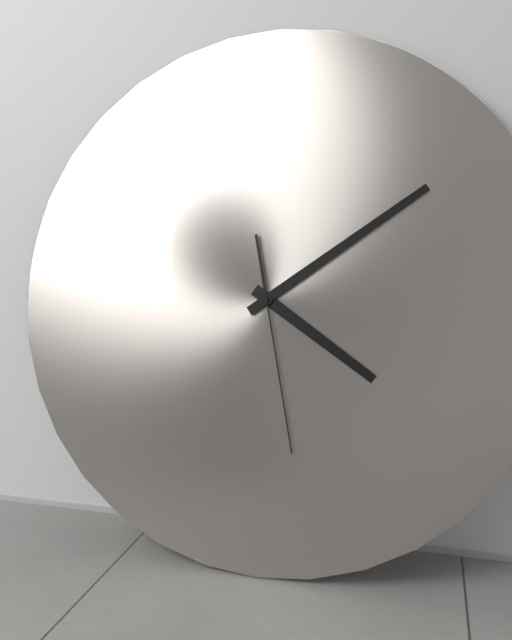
{"hour": 4, "minute": 9, "second": 28}
